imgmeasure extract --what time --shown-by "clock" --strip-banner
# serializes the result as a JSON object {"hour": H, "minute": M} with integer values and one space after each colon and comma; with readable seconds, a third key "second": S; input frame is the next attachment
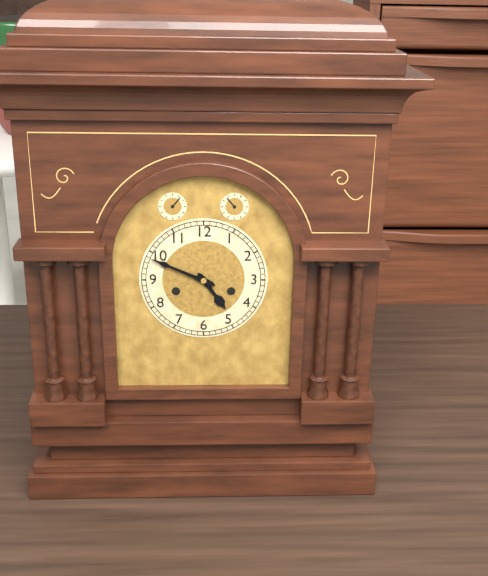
{"hour": 4, "minute": 49}
